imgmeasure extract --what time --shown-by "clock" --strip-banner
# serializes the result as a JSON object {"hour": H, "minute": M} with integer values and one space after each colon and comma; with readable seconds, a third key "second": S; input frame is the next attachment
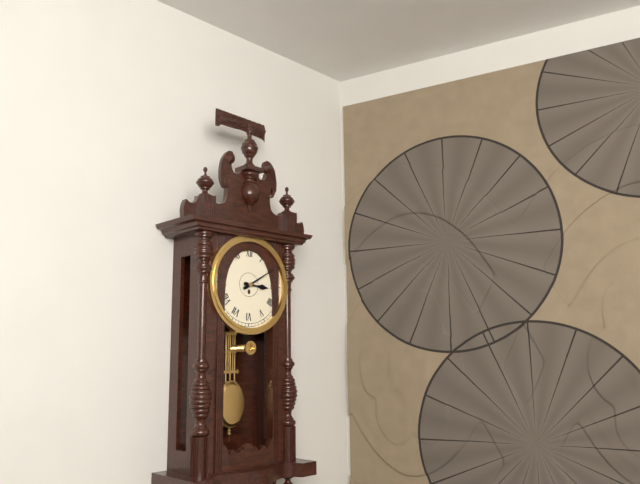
{"hour": 3, "minute": 10}
